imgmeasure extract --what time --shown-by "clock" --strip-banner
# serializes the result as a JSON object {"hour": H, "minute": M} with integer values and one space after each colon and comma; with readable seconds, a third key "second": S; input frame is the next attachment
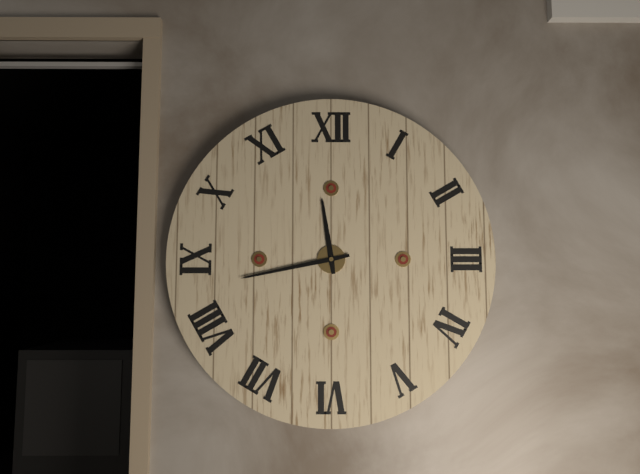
{"hour": 11, "minute": 43}
